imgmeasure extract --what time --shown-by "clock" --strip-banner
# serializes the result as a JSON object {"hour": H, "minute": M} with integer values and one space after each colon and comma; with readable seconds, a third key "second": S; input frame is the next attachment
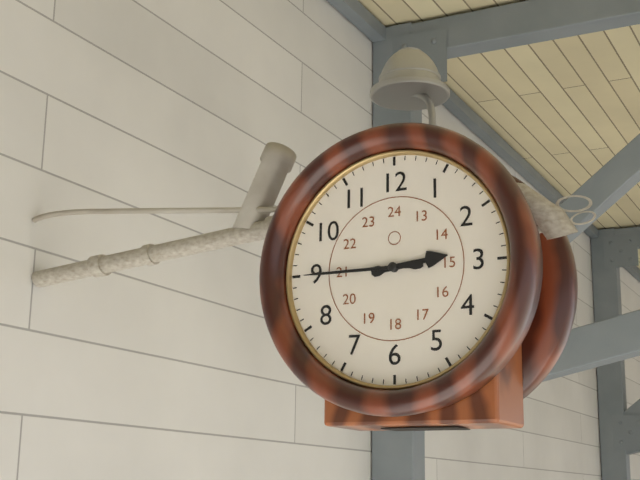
{"hour": 2, "minute": 45}
